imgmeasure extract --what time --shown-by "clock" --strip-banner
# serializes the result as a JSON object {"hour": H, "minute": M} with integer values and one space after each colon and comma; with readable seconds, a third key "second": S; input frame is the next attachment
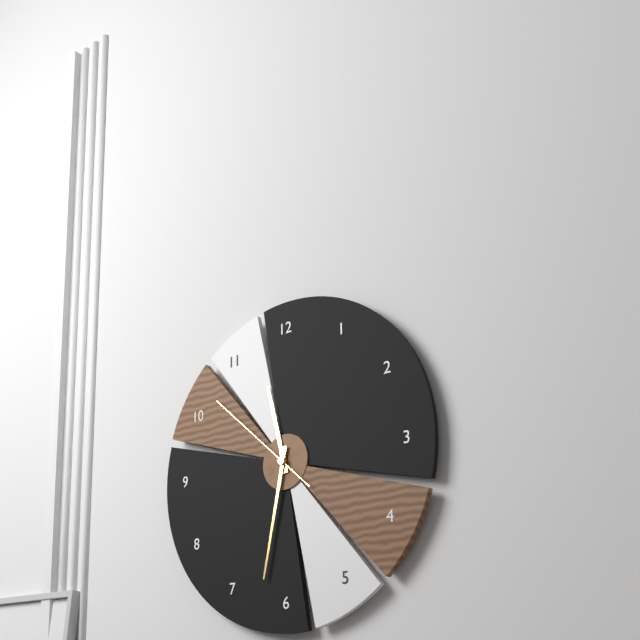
{"hour": 11, "minute": 32, "second": 52}
